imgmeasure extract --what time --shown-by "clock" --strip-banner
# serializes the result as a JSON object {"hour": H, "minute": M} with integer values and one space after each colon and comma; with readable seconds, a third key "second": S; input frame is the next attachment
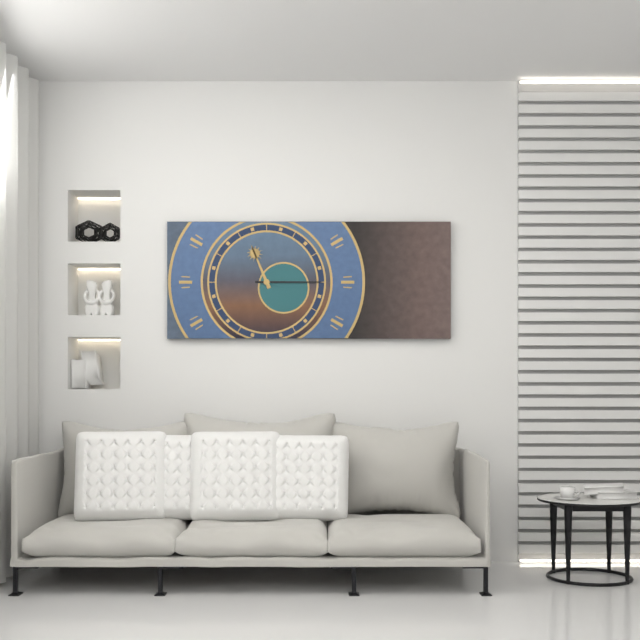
{"hour": 11, "minute": 15}
